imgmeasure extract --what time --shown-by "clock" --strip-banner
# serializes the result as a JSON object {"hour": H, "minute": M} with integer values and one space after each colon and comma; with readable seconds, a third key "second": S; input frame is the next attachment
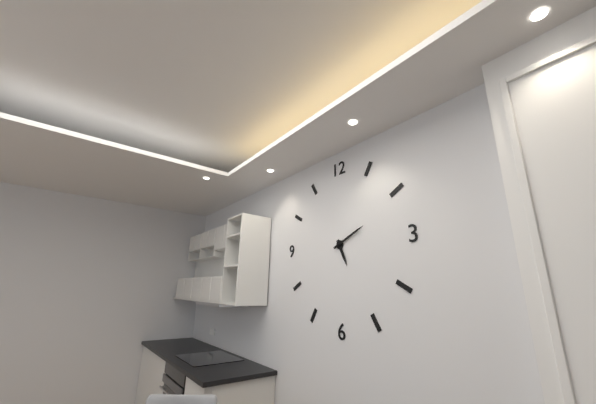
{"hour": 5, "minute": 11}
